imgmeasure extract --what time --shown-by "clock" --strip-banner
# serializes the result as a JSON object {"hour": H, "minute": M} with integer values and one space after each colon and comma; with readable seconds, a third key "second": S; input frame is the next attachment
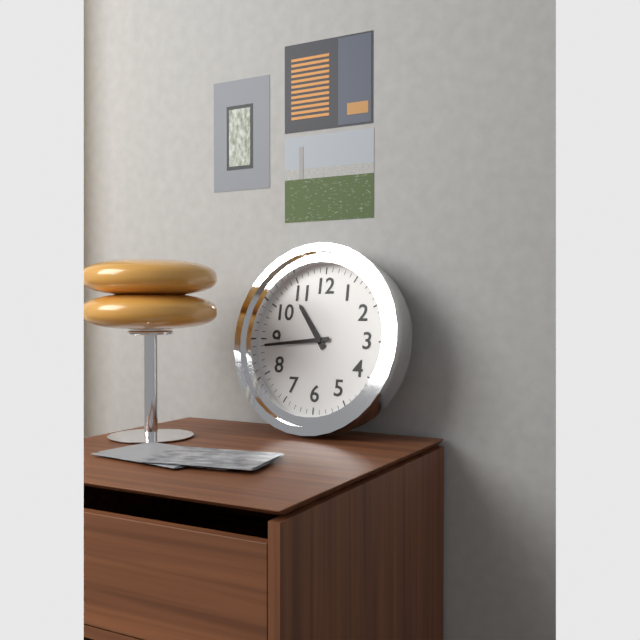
{"hour": 10, "minute": 44}
